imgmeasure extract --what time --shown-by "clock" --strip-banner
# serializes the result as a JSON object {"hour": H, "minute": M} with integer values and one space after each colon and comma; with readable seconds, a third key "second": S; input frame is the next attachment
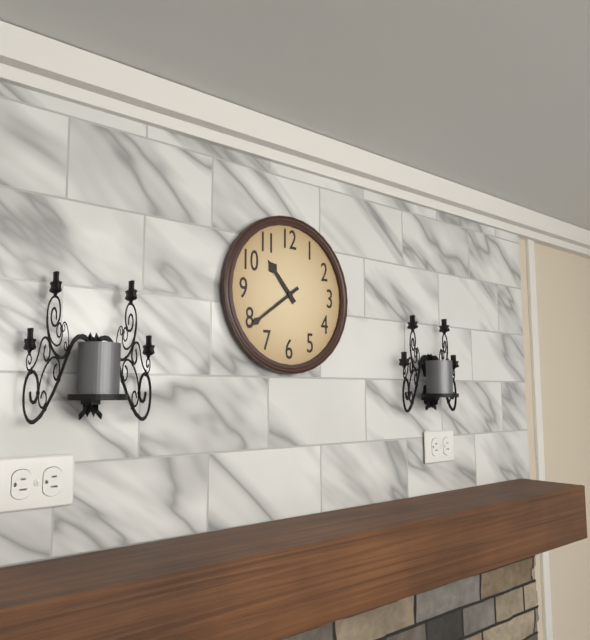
{"hour": 10, "minute": 39}
